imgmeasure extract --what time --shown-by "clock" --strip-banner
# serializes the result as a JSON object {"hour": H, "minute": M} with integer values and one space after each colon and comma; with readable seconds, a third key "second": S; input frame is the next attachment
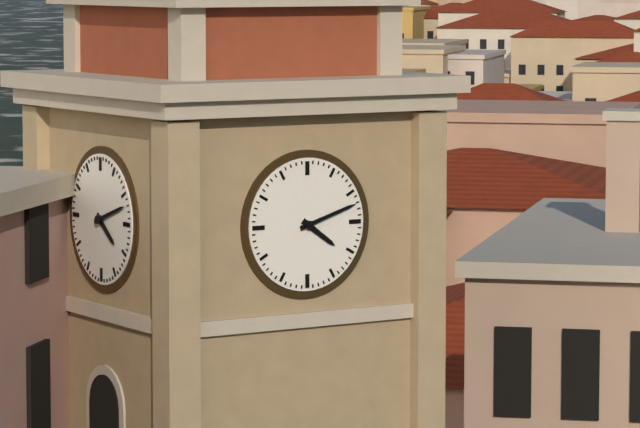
{"hour": 4, "minute": 12}
